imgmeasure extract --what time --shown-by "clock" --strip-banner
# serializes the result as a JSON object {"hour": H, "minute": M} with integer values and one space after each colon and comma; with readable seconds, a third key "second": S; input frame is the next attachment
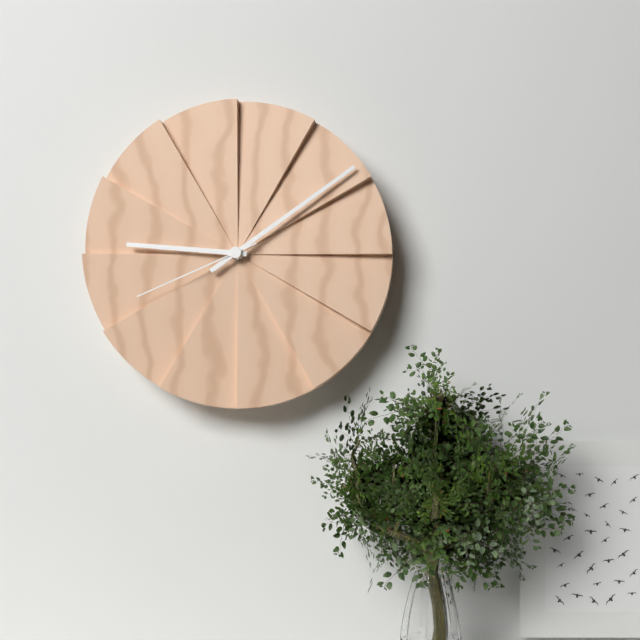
{"hour": 9, "minute": 9, "second": 41}
